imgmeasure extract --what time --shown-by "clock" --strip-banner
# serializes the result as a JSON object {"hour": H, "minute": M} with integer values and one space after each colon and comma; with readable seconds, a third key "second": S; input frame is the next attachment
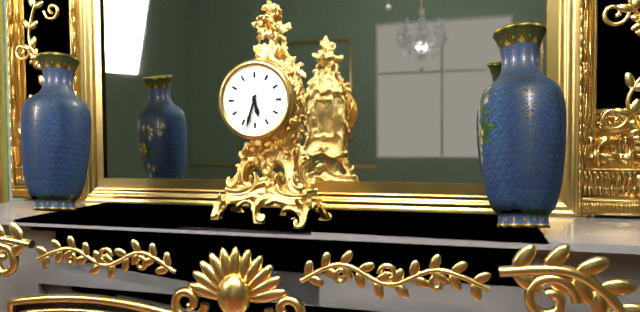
{"hour": 5, "minute": 33}
